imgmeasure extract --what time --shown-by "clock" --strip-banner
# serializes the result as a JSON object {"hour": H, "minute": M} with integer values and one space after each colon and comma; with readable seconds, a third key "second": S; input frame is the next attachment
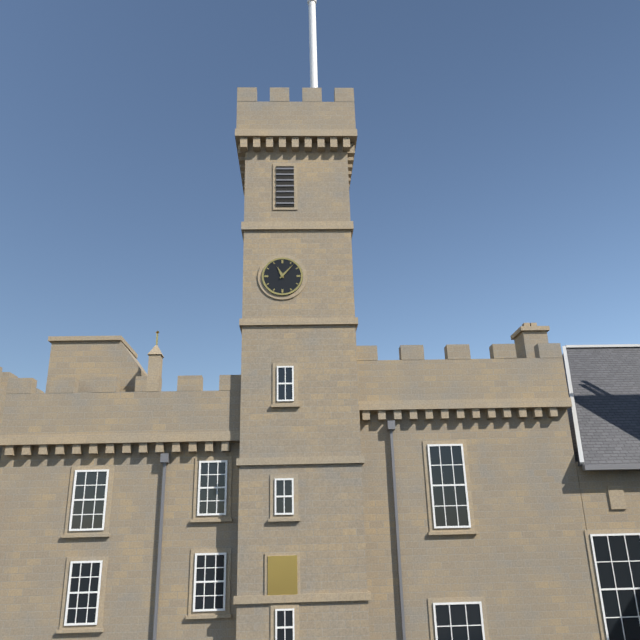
{"hour": 11, "minute": 7}
